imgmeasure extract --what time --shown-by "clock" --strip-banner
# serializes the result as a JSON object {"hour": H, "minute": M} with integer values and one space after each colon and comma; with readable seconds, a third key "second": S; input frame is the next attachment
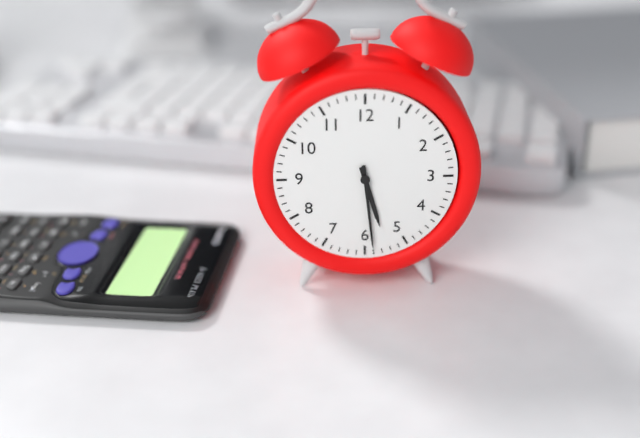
{"hour": 5, "minute": 29}
